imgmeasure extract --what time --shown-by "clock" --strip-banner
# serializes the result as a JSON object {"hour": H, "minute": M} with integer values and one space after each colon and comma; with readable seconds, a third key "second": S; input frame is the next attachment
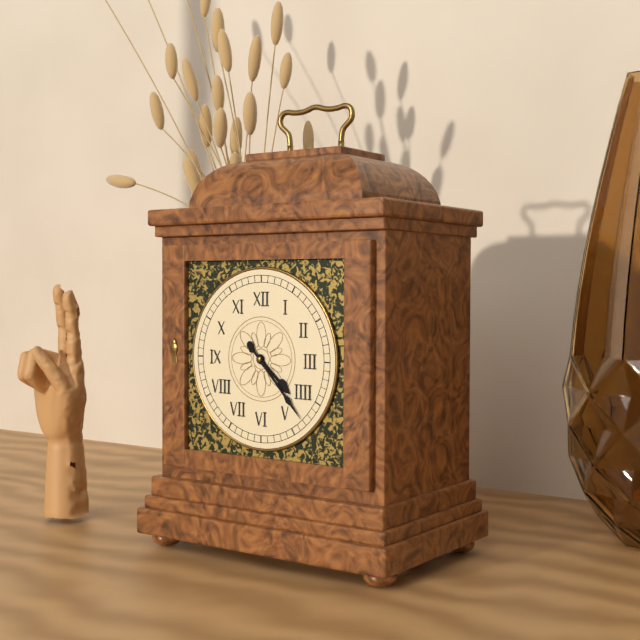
{"hour": 4, "minute": 23}
